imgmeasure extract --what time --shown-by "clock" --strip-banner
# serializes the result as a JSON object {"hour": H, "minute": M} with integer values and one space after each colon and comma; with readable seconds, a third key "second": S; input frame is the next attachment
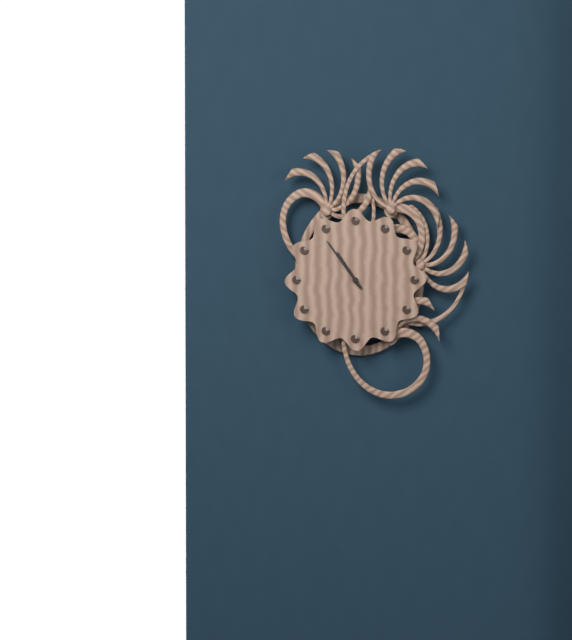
{"hour": 10, "minute": 54}
